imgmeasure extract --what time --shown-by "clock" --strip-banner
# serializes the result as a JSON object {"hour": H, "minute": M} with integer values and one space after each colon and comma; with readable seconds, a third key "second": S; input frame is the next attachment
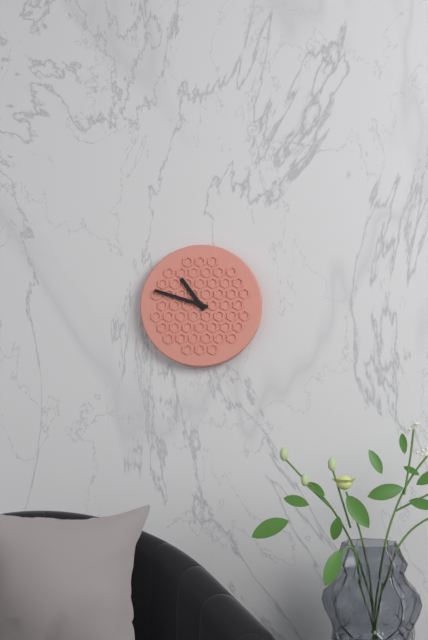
{"hour": 10, "minute": 48}
